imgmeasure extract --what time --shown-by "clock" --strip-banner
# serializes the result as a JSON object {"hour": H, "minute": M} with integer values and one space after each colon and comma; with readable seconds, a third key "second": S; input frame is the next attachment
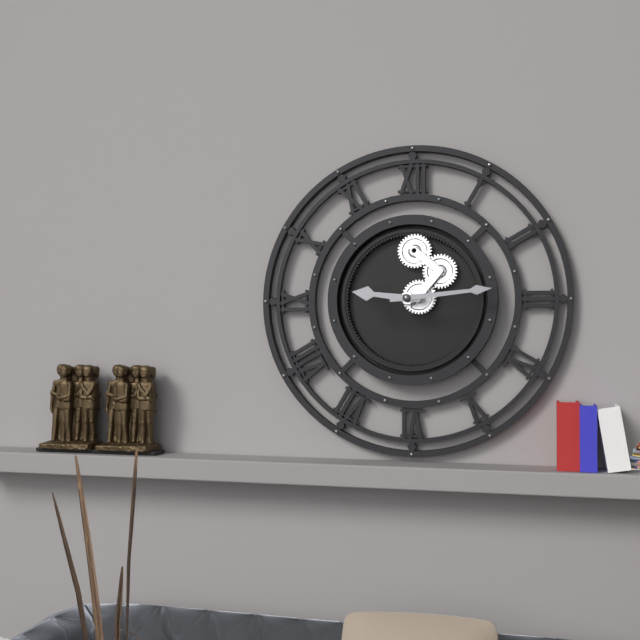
{"hour": 9, "minute": 14}
